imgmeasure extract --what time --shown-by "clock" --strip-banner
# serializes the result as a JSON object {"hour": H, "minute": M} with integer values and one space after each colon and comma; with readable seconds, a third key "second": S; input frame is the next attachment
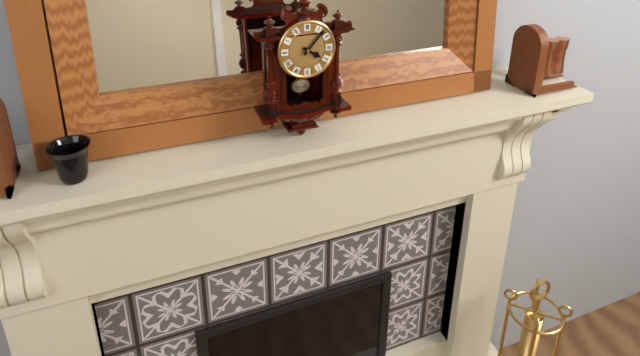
{"hour": 4, "minute": 7}
